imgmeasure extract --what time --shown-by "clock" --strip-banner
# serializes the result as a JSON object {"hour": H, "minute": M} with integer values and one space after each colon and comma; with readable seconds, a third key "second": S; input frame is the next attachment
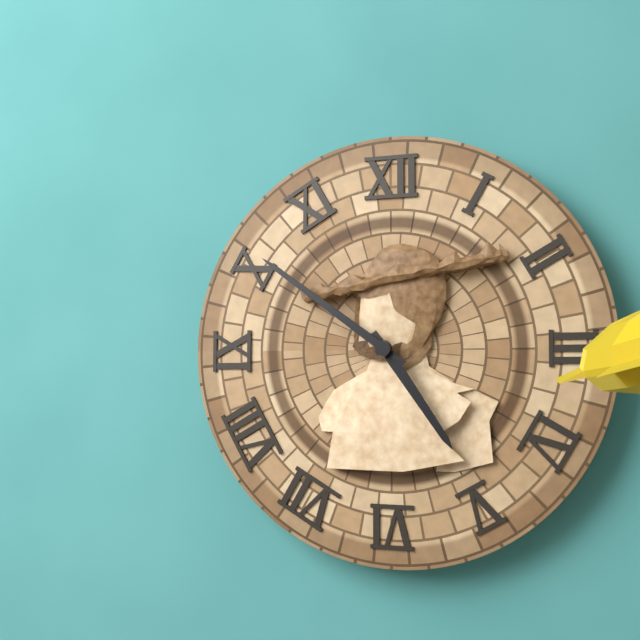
{"hour": 4, "minute": 51}
